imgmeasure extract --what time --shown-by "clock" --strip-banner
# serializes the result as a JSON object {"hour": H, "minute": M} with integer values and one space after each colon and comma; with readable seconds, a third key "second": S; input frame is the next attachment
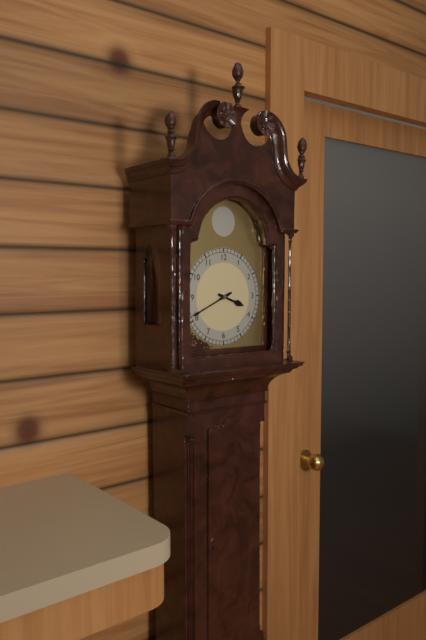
{"hour": 3, "minute": 41}
